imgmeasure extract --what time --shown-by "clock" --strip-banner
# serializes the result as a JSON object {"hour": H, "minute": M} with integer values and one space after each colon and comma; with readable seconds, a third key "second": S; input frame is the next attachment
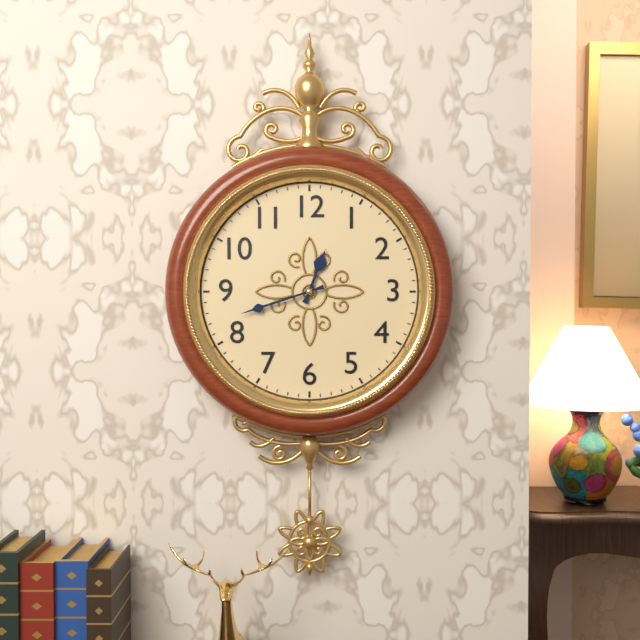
{"hour": 12, "minute": 42}
